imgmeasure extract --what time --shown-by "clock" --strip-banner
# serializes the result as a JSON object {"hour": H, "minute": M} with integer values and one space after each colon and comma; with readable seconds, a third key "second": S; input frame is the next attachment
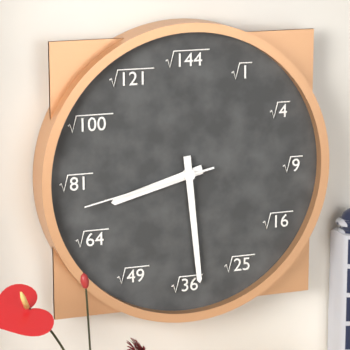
{"hour": 8, "minute": 29, "second": 43}
